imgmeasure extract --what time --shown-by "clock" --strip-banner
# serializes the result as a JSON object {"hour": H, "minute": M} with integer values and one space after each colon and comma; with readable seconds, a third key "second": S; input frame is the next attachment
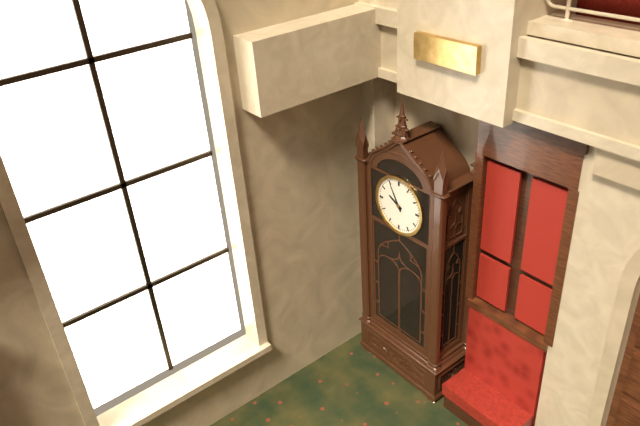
{"hour": 9, "minute": 55}
